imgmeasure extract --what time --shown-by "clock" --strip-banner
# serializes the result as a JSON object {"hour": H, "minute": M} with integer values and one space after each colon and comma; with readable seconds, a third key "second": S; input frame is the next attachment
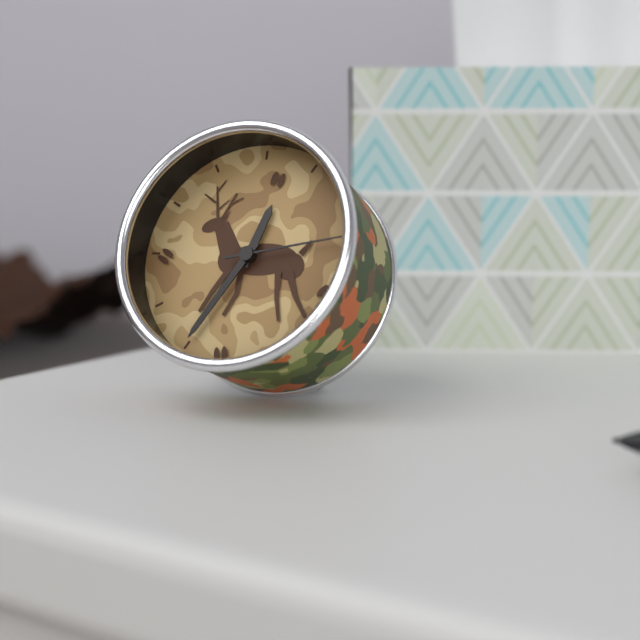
{"hour": 12, "minute": 35, "second": 13}
